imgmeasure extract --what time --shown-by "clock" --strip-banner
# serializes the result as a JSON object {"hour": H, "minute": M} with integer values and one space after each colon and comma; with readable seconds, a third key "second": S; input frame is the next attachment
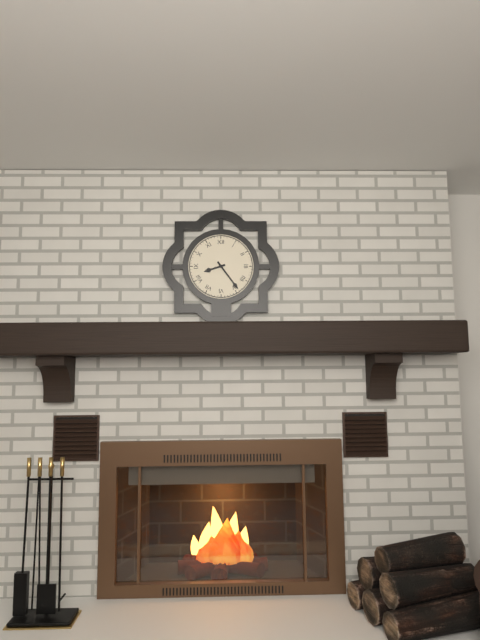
{"hour": 8, "minute": 24}
